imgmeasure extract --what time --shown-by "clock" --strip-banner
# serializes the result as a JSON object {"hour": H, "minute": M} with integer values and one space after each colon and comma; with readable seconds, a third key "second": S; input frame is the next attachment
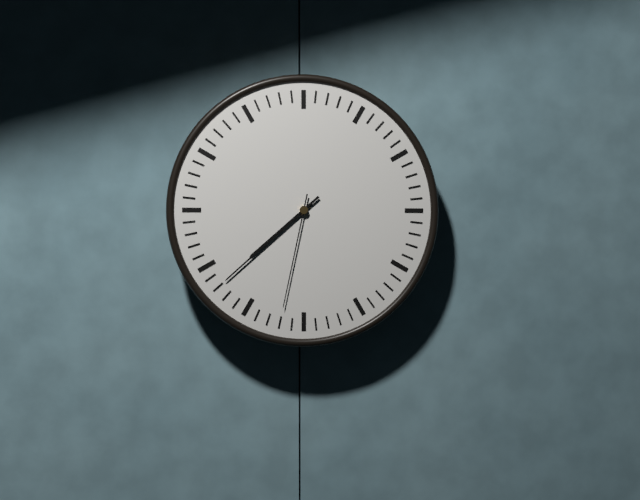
{"hour": 7, "minute": 38, "second": 32}
